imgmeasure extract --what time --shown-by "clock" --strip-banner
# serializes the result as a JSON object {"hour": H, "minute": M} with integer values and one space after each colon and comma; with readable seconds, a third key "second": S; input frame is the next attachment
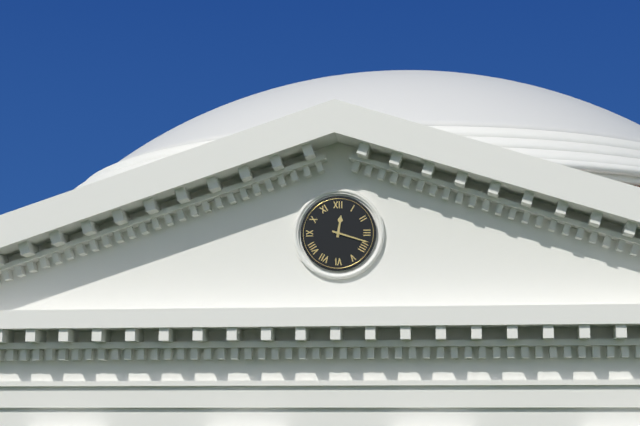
{"hour": 12, "minute": 18}
